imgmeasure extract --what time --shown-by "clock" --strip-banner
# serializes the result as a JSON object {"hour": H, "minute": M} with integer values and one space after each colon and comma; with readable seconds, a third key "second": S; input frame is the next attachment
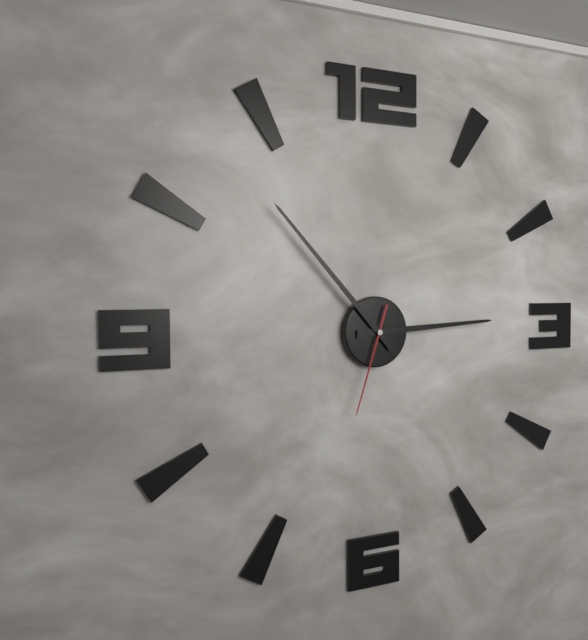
{"hour": 2, "minute": 53, "second": 33}
